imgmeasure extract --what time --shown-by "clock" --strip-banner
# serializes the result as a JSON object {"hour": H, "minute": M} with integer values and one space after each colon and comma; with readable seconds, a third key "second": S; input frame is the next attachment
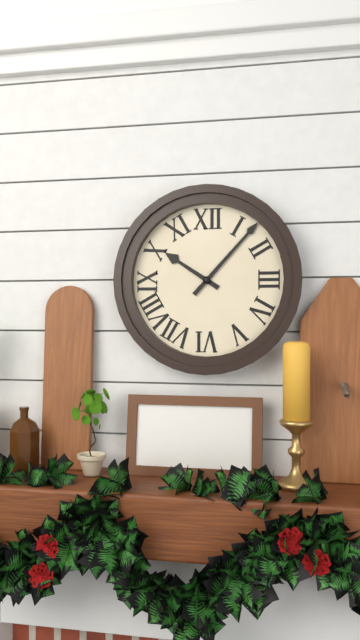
{"hour": 10, "minute": 7}
